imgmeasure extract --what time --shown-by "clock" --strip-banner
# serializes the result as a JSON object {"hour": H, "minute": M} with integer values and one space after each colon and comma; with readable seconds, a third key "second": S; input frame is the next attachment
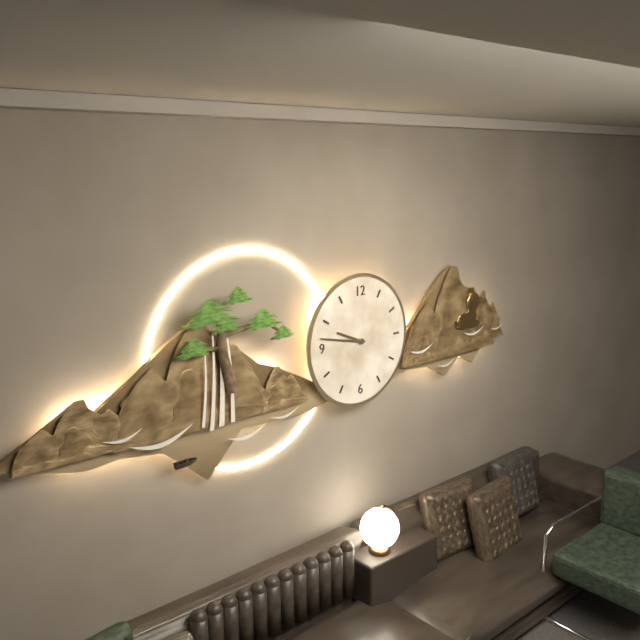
{"hour": 9, "minute": 47}
